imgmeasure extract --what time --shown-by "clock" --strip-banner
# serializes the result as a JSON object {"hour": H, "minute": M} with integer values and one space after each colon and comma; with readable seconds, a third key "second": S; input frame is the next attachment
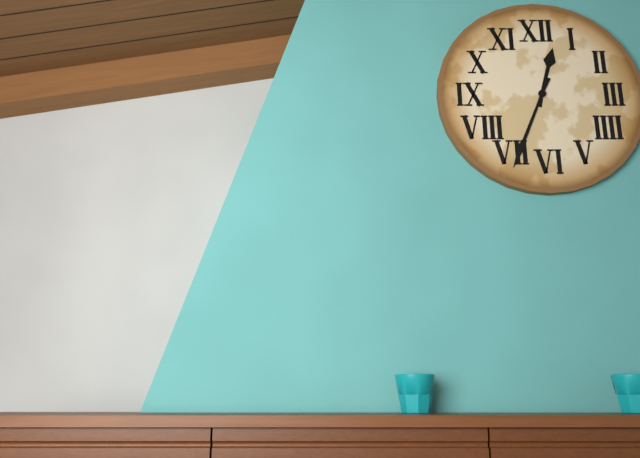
{"hour": 12, "minute": 34}
